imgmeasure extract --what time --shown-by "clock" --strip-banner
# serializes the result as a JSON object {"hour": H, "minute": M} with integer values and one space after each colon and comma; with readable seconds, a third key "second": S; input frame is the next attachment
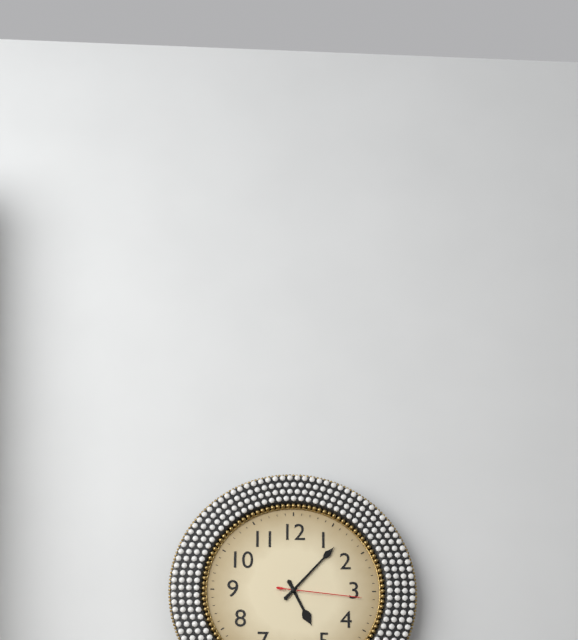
{"hour": 5, "minute": 7, "second": 16}
